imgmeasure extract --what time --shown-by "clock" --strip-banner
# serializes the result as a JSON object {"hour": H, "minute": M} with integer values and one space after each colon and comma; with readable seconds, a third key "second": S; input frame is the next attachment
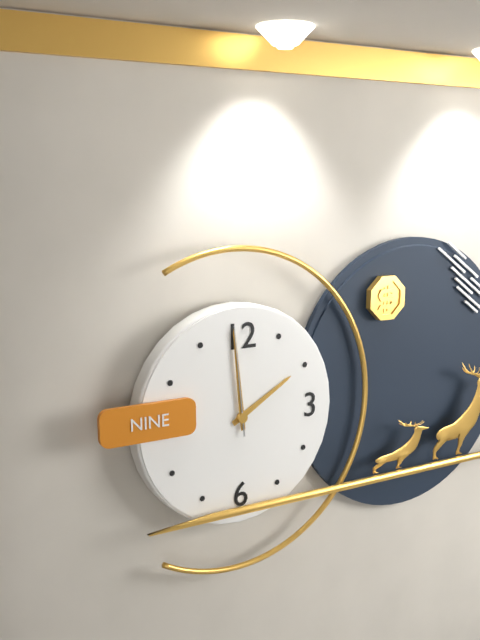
{"hour": 1, "minute": 59, "second": 59}
